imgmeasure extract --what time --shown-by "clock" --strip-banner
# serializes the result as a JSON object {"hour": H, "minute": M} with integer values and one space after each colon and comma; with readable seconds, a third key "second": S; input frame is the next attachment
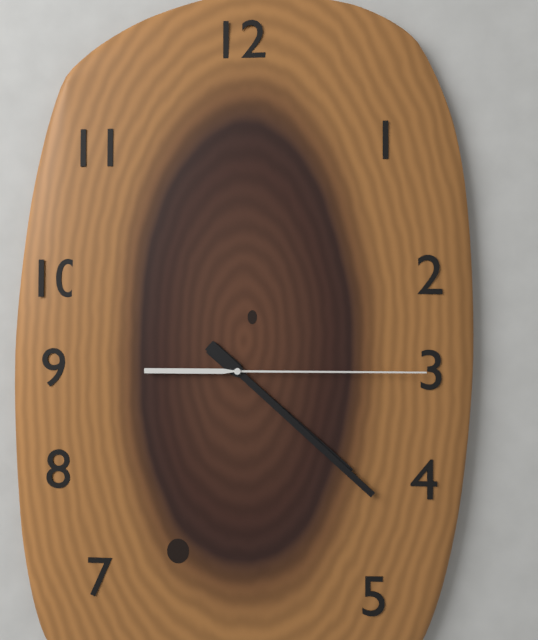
{"hour": 4, "minute": 22, "second": 15}
